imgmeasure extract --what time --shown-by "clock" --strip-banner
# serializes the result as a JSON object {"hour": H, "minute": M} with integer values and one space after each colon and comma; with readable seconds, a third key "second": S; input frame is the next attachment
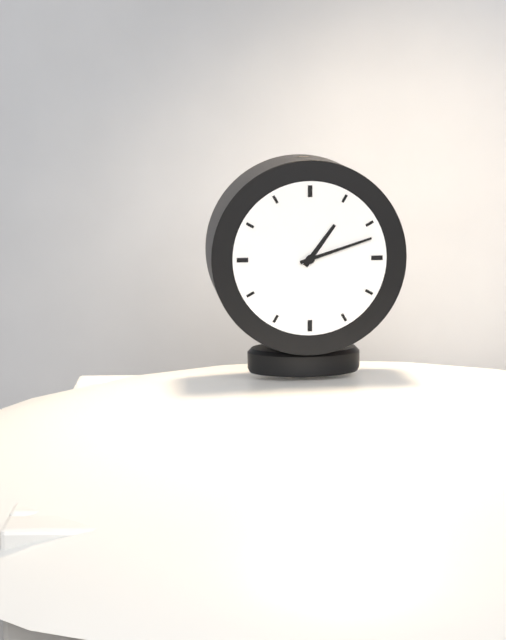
{"hour": 1, "minute": 12}
